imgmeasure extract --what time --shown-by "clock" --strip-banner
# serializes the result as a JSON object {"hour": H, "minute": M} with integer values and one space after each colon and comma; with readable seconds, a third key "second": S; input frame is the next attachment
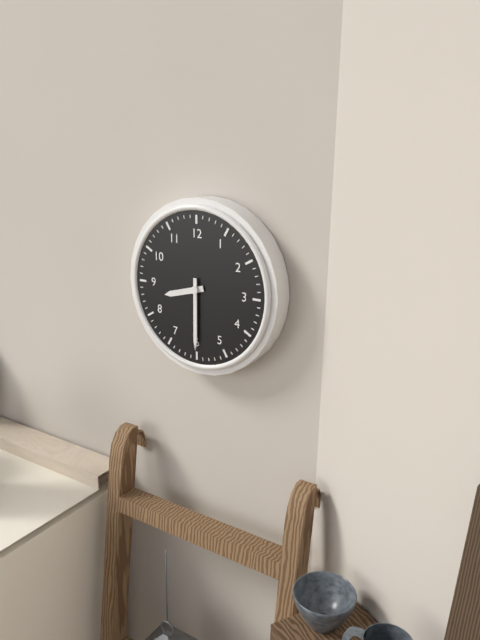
{"hour": 8, "minute": 30}
